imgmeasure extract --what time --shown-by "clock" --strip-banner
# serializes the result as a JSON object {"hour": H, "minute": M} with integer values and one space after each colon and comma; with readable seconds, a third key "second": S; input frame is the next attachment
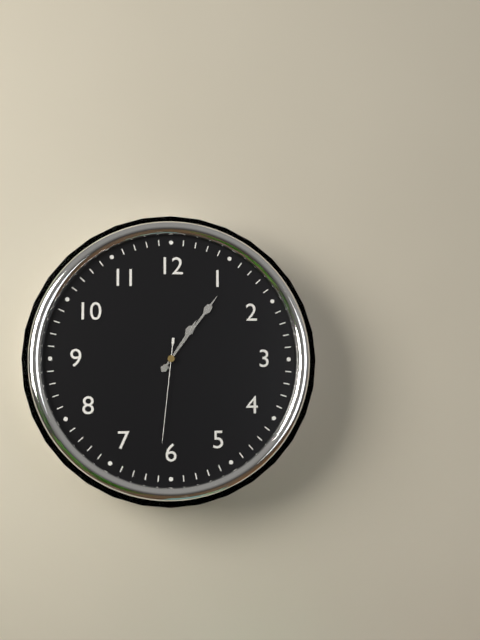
{"hour": 1, "minute": 6, "second": 31}
